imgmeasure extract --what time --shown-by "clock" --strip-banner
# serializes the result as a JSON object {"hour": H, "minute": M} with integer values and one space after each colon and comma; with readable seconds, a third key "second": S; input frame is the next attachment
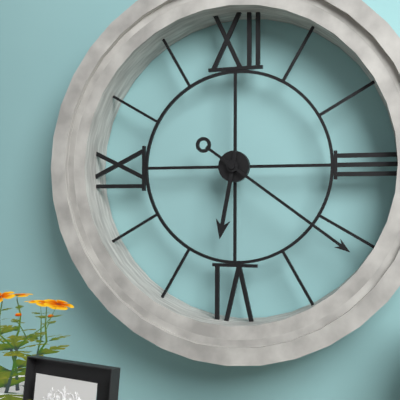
{"hour": 6, "minute": 21}
